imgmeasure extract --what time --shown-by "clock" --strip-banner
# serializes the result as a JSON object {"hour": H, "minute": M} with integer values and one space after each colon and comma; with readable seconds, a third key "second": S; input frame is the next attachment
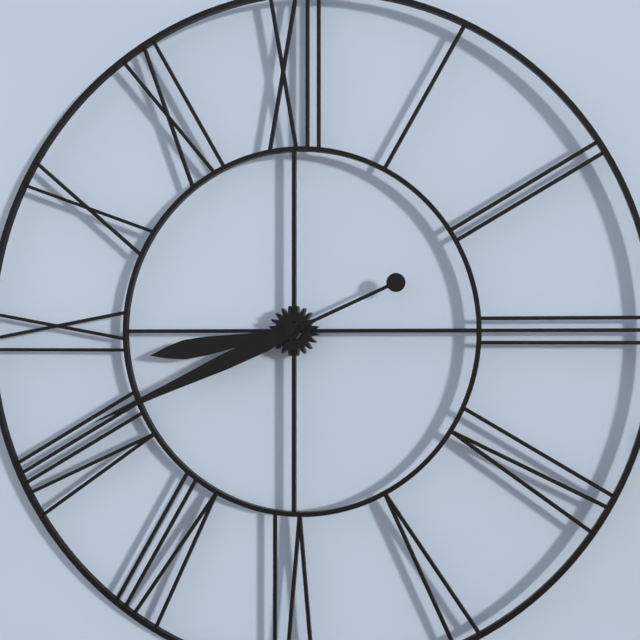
{"hour": 8, "minute": 41}
